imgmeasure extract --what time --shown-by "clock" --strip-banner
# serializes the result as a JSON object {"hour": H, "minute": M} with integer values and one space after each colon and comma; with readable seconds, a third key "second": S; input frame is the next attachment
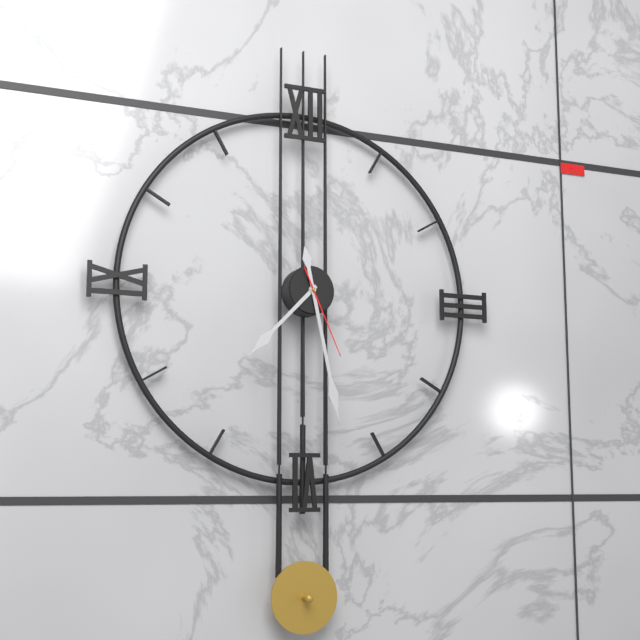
{"hour": 7, "minute": 28, "second": 26}
